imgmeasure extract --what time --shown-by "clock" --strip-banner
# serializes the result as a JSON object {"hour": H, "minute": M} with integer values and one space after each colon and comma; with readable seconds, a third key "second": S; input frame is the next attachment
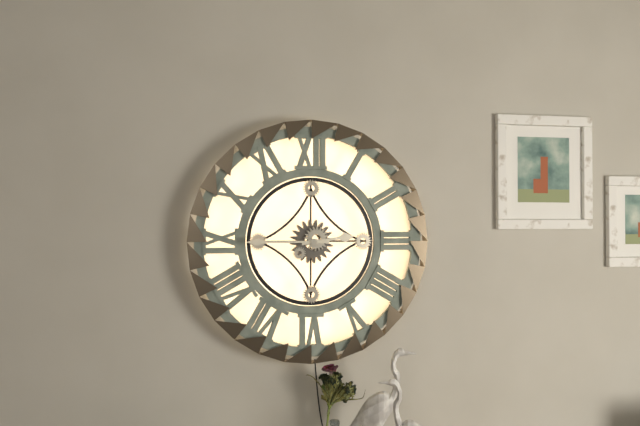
{"hour": 2, "minute": 45}
